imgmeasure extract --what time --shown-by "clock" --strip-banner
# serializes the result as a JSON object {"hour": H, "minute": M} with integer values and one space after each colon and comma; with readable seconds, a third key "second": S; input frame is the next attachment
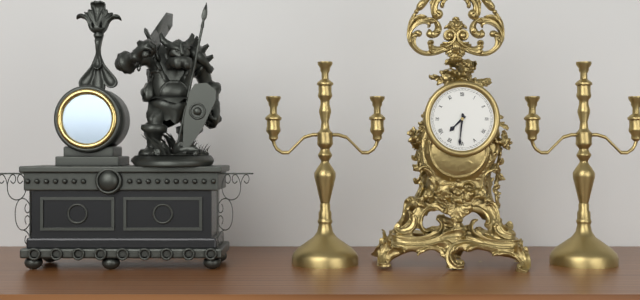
{"hour": 7, "minute": 31}
